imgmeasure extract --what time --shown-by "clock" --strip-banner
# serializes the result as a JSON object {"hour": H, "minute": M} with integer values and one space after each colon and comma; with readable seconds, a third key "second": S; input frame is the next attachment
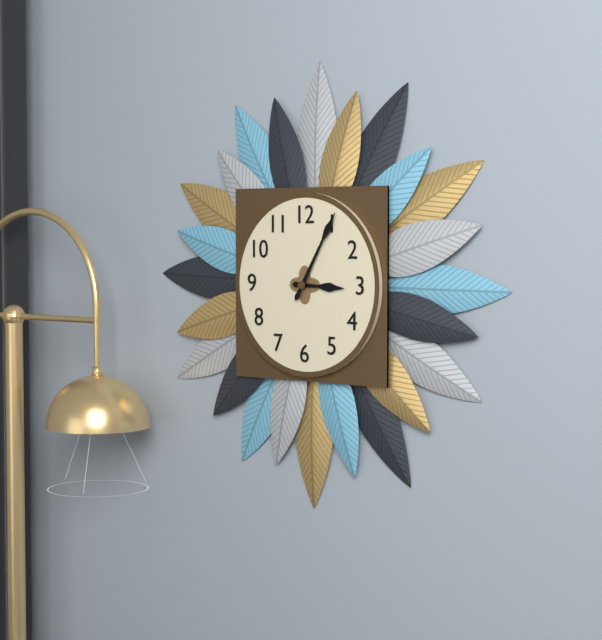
{"hour": 3, "minute": 5}
